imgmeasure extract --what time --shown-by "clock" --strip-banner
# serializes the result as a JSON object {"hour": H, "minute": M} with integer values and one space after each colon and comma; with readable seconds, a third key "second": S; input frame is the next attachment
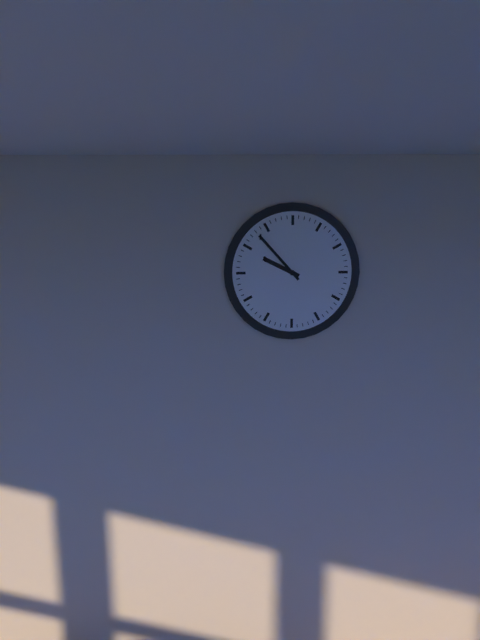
{"hour": 9, "minute": 53}
